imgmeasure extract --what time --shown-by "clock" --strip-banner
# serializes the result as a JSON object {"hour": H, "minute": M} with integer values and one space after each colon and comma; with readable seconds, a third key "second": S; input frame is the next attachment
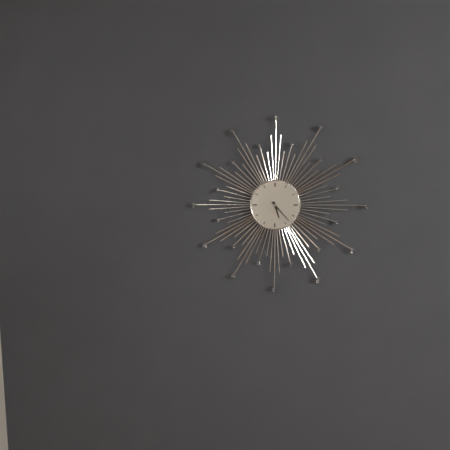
{"hour": 5, "minute": 23}
